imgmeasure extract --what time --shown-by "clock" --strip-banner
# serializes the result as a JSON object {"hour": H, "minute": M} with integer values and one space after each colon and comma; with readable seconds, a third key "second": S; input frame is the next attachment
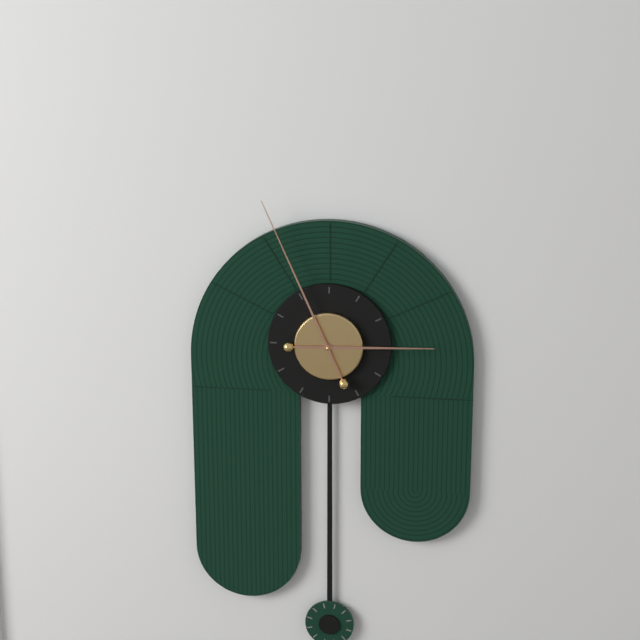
{"hour": 2, "minute": 56}
